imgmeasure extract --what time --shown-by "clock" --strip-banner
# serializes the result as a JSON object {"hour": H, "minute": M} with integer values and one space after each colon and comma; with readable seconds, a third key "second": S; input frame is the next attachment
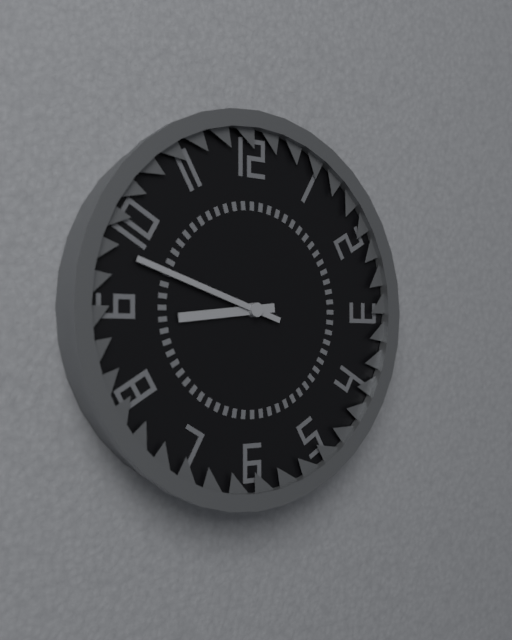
{"hour": 8, "minute": 48}
